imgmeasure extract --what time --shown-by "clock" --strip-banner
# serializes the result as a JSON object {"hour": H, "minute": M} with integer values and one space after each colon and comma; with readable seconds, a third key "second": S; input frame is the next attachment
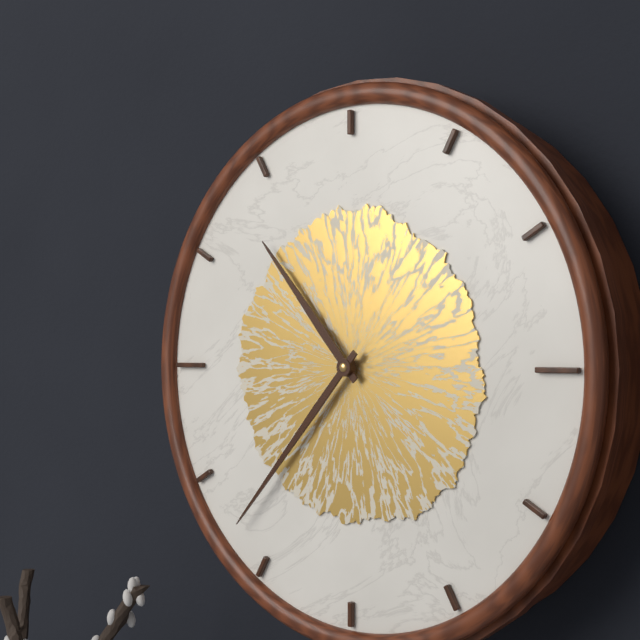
{"hour": 10, "minute": 37}
